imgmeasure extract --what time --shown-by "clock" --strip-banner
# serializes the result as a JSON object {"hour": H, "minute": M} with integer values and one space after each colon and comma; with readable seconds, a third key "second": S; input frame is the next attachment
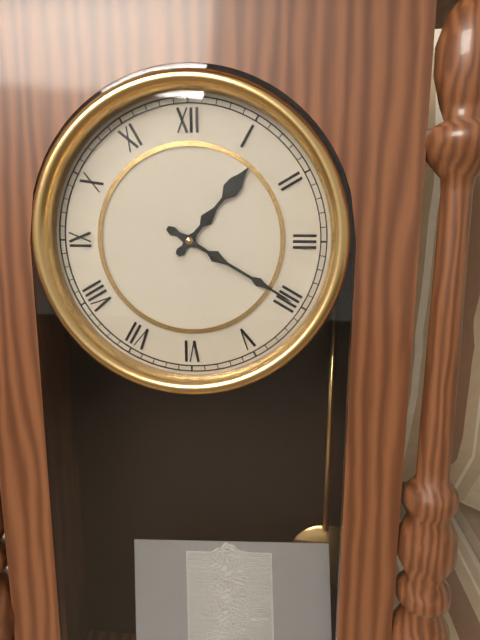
{"hour": 1, "minute": 20}
